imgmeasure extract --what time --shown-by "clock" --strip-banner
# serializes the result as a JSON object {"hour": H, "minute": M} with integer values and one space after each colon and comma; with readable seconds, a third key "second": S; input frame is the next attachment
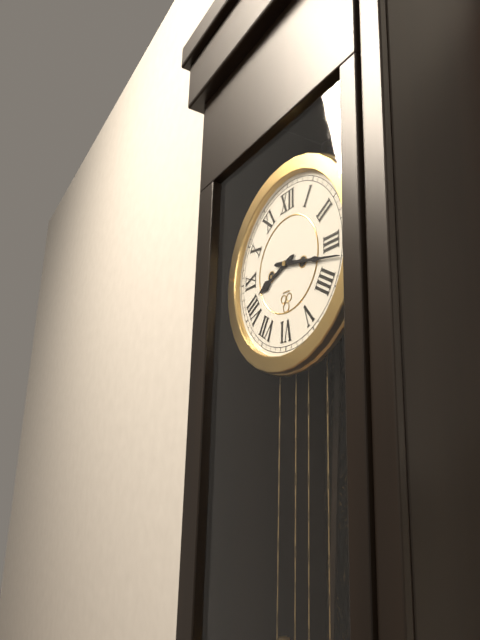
{"hour": 8, "minute": 17}
